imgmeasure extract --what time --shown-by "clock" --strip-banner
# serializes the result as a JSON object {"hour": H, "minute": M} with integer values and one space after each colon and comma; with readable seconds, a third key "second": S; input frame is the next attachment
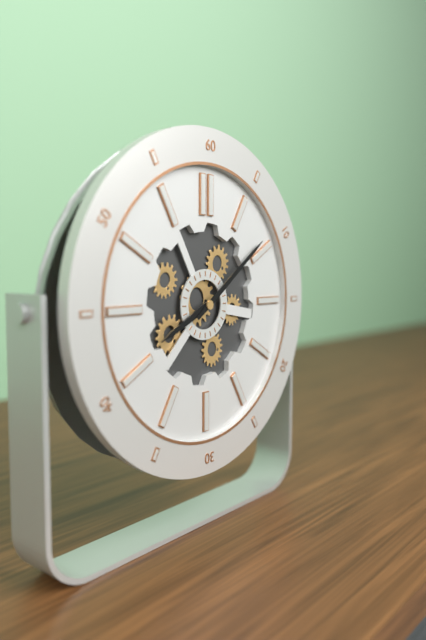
{"hour": 8, "minute": 9}
